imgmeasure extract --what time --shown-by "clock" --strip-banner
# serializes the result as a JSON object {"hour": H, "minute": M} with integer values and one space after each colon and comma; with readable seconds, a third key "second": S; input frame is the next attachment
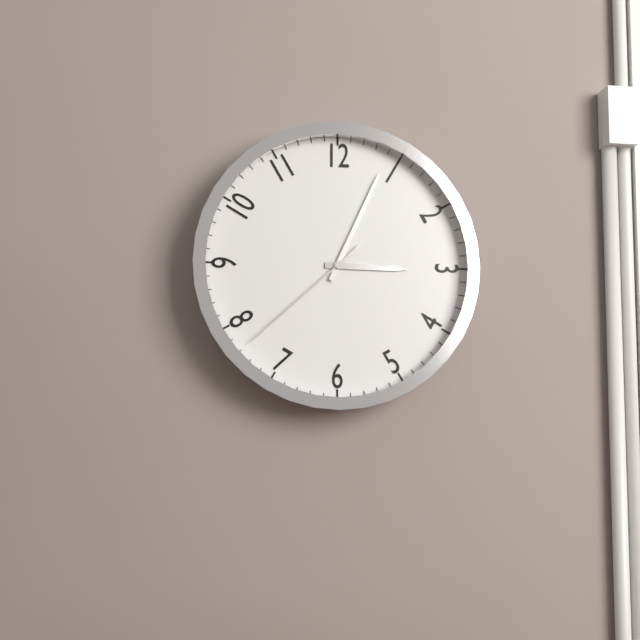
{"hour": 3, "minute": 4, "second": 38}
